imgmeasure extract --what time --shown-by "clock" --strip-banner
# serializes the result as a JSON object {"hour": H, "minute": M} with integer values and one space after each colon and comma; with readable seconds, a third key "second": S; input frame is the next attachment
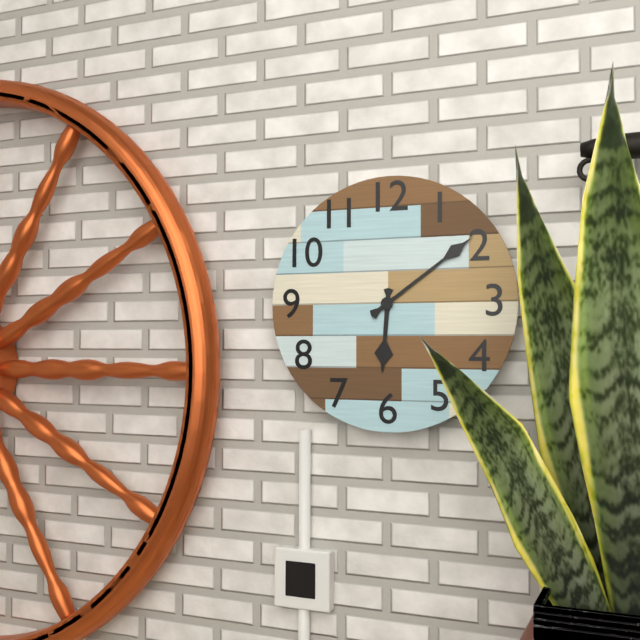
{"hour": 6, "minute": 9}
